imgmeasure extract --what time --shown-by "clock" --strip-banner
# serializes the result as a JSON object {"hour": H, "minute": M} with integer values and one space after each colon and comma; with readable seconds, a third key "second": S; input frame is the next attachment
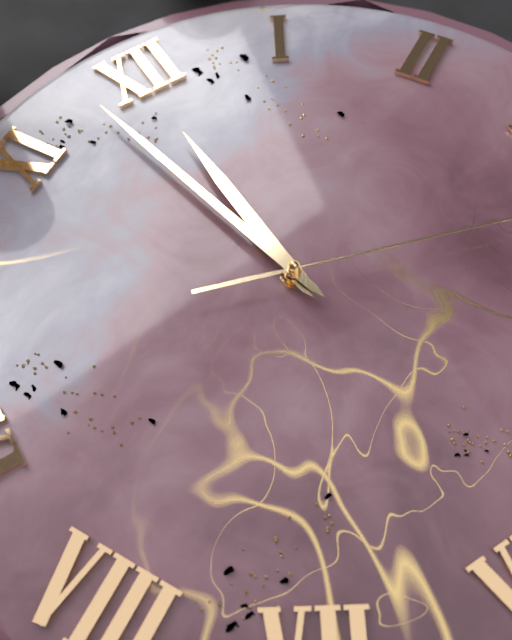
{"hour": 11, "minute": 58}
